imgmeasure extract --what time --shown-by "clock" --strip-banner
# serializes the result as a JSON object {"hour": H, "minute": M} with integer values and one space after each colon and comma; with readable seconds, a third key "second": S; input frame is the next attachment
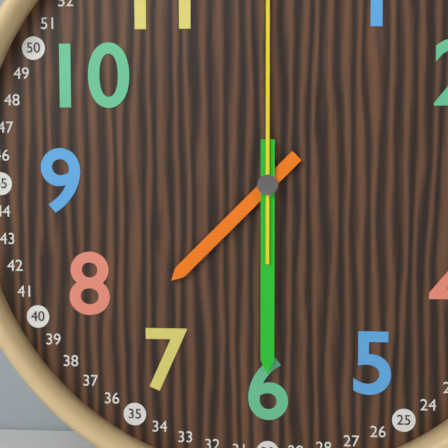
{"hour": 7, "minute": 30}
